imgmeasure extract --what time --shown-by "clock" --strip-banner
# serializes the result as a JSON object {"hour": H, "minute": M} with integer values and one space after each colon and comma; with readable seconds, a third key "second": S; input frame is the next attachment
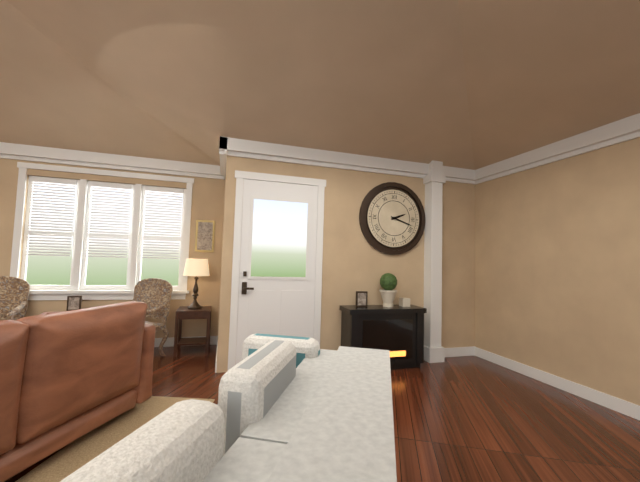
{"hour": 2, "minute": 18}
